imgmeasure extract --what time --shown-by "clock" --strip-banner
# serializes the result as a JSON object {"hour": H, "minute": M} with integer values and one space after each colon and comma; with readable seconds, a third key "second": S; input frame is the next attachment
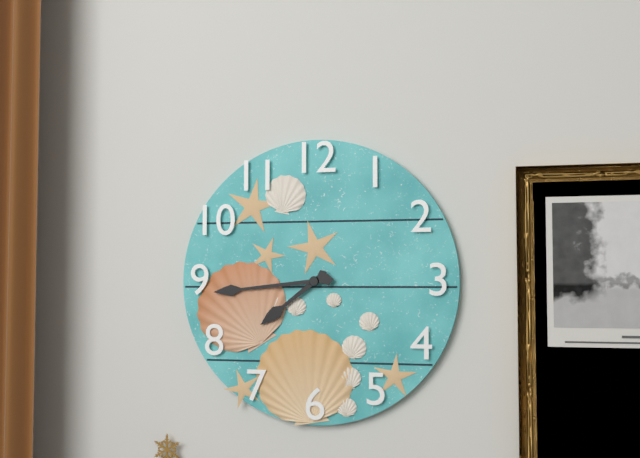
{"hour": 7, "minute": 44}
